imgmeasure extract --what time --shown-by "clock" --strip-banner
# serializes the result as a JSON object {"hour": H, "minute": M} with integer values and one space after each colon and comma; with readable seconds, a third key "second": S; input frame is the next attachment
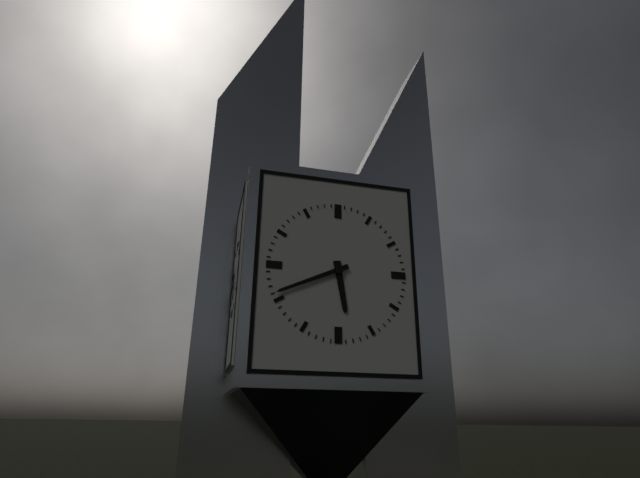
{"hour": 5, "minute": 41}
